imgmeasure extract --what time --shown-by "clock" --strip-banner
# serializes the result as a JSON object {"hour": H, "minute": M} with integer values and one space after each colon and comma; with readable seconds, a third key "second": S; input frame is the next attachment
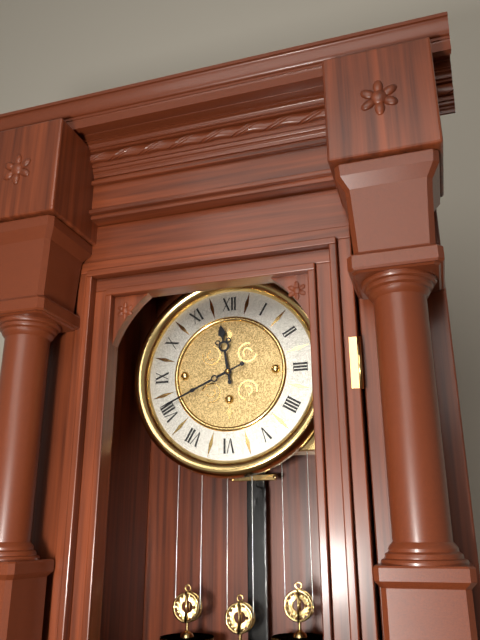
{"hour": 11, "minute": 41}
